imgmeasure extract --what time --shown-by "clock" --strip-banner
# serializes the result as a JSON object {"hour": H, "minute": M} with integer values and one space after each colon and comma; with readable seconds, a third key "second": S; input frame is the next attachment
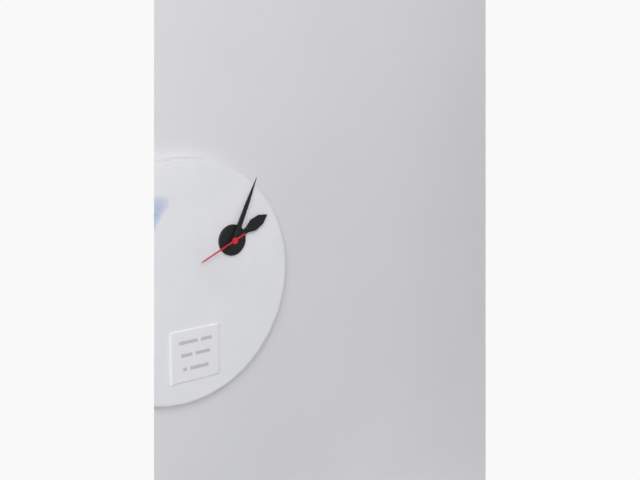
{"hour": 2, "minute": 4}
